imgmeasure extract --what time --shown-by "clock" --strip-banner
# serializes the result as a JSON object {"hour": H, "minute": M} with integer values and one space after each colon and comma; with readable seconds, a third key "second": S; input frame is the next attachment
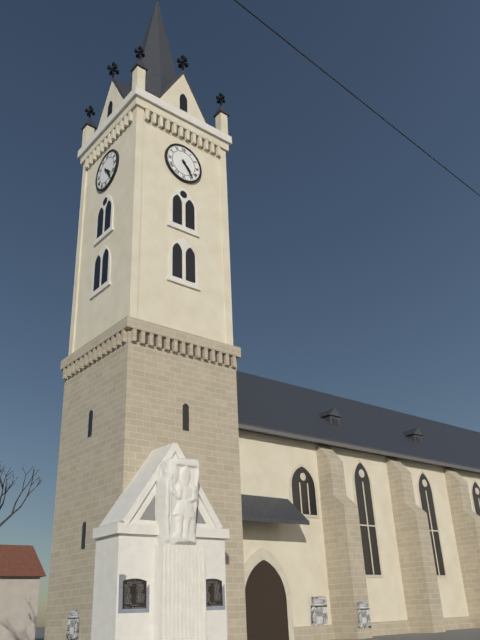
{"hour": 4, "minute": 24}
